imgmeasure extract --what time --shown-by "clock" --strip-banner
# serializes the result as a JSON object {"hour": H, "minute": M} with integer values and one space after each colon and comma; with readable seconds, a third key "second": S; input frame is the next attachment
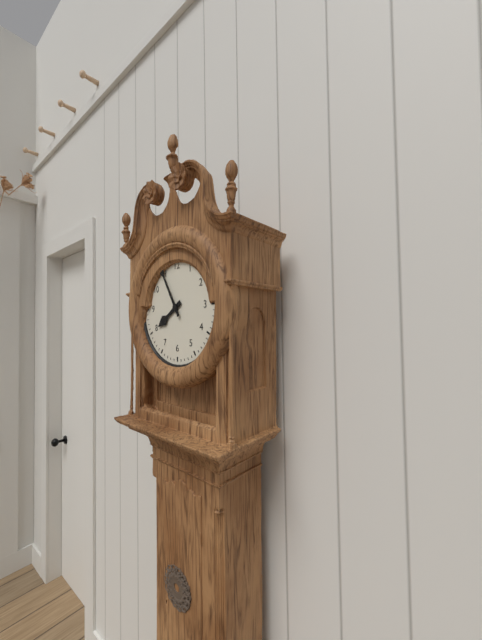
{"hour": 7, "minute": 55}
